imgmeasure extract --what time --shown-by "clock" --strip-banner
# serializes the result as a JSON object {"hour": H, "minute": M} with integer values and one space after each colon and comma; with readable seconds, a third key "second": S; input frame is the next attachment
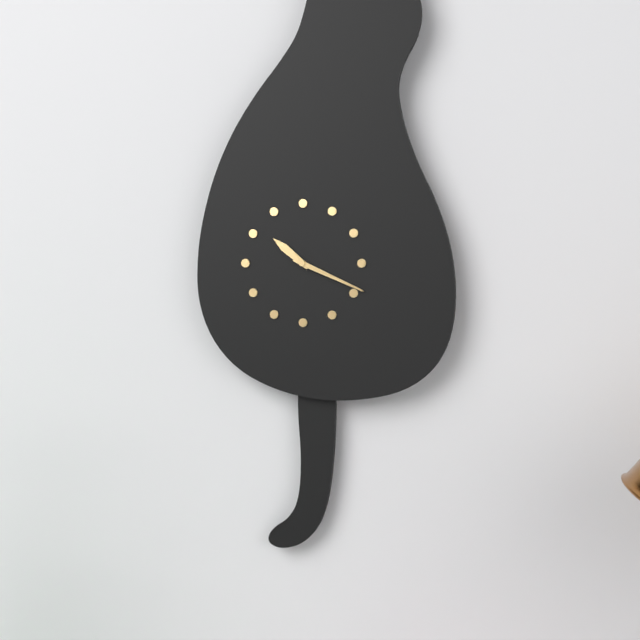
{"hour": 10, "minute": 19}
